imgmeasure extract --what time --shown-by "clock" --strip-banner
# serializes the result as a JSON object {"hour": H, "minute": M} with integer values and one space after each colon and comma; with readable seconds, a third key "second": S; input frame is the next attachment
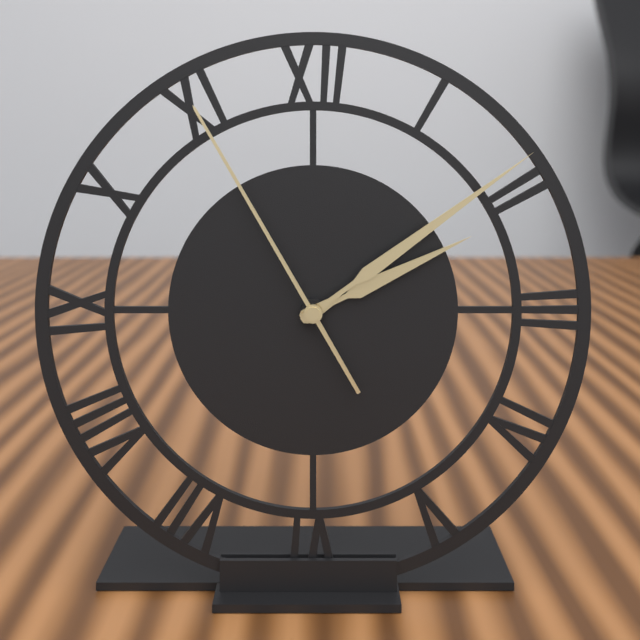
{"hour": 2, "minute": 9, "second": 55}
